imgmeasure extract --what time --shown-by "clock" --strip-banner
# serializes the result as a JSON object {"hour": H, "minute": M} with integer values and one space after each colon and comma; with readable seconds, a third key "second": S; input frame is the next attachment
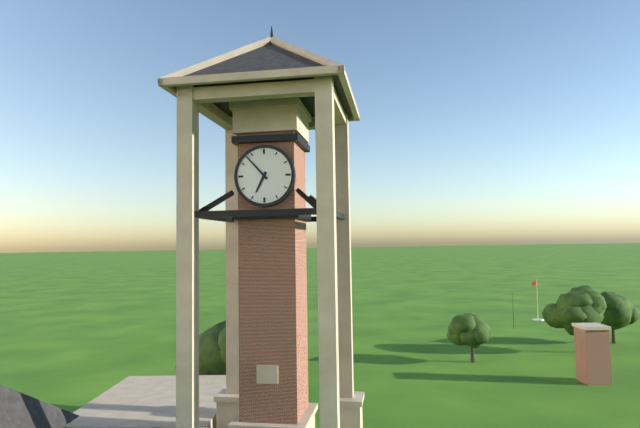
{"hour": 6, "minute": 53}
